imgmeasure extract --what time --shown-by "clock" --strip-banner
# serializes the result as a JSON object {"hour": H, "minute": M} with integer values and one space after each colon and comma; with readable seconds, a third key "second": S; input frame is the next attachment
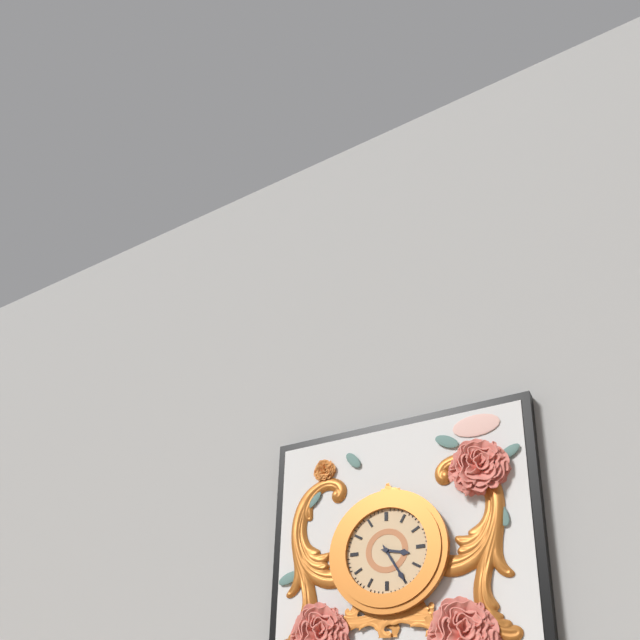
{"hour": 3, "minute": 25}
